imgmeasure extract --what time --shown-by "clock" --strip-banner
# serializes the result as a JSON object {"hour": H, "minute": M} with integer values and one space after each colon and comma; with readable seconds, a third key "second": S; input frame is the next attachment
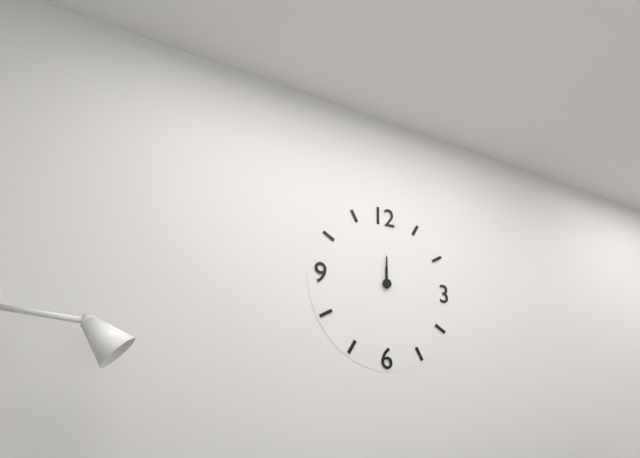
{"hour": 12, "minute": 0}
